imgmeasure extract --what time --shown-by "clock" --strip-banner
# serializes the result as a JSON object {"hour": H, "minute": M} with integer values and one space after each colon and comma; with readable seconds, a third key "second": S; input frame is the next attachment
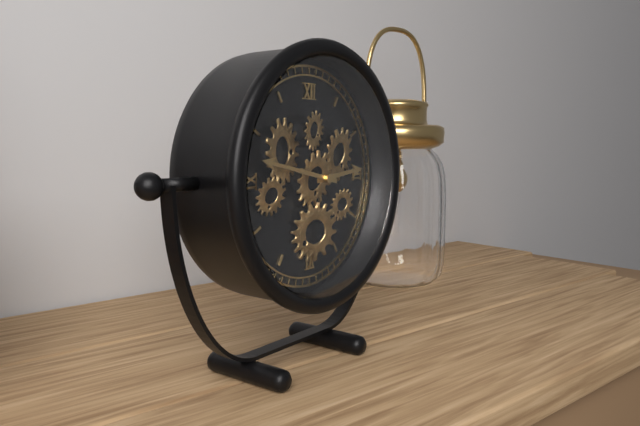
{"hour": 2, "minute": 47}
